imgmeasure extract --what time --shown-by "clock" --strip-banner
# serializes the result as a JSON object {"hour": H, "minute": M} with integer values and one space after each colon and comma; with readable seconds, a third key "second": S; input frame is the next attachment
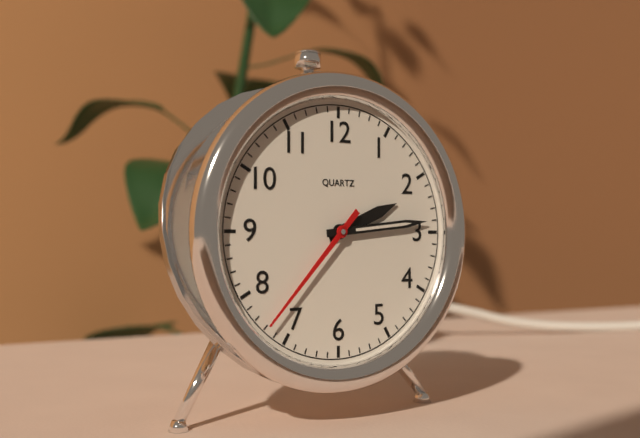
{"hour": 2, "minute": 14, "second": 37}
